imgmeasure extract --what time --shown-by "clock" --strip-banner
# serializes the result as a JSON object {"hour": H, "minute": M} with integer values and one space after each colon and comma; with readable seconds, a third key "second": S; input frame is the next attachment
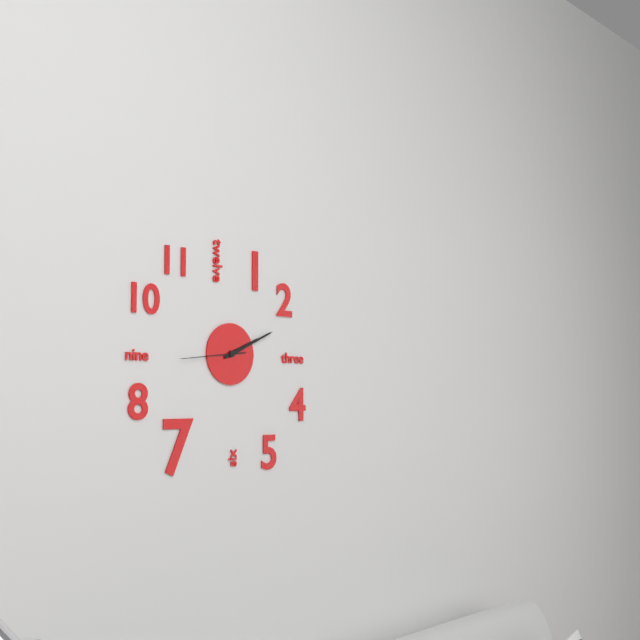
{"hour": 2, "minute": 11, "second": 44}
